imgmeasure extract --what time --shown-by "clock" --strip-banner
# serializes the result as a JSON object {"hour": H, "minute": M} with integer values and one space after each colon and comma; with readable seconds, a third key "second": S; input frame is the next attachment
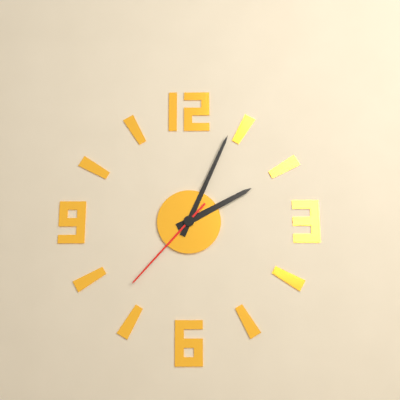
{"hour": 2, "minute": 4, "second": 37}
